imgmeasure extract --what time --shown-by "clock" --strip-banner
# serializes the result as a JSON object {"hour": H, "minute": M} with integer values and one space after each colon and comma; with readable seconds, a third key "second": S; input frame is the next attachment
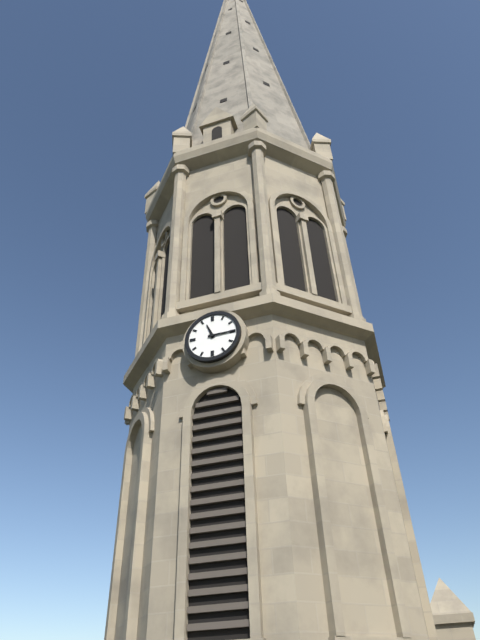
{"hour": 11, "minute": 15}
